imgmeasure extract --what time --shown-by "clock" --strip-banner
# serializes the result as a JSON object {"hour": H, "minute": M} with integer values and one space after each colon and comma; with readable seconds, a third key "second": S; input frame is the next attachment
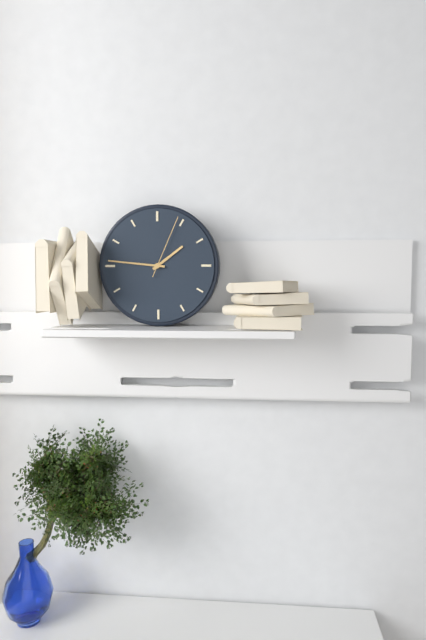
{"hour": 1, "minute": 46, "second": 4}
